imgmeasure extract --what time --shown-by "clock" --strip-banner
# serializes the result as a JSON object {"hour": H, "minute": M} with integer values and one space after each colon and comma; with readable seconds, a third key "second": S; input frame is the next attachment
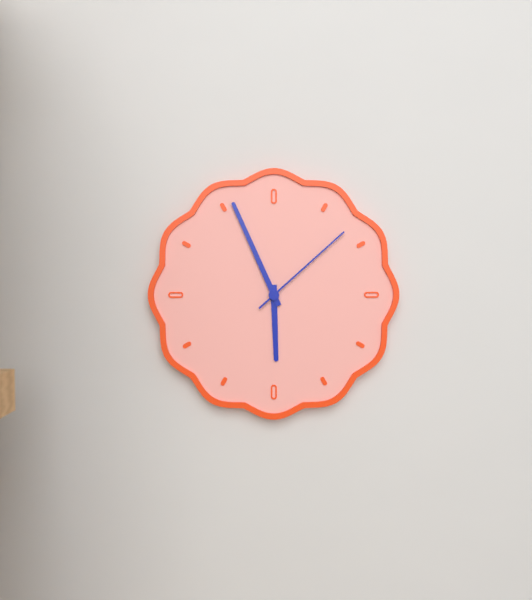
{"hour": 5, "minute": 56, "second": 8}
